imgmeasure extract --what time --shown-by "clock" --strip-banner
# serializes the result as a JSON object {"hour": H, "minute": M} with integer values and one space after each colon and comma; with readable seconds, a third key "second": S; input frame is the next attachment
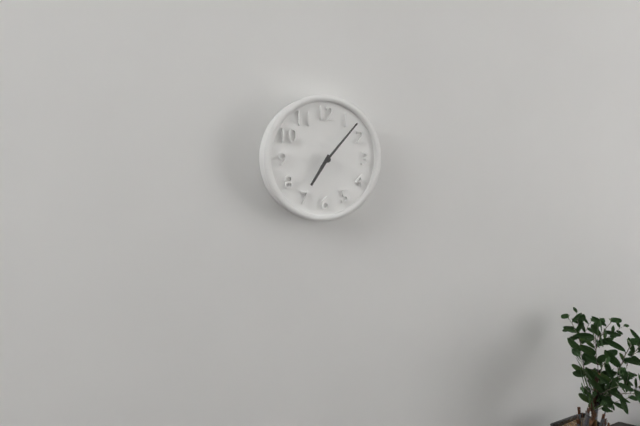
{"hour": 7, "minute": 7}
